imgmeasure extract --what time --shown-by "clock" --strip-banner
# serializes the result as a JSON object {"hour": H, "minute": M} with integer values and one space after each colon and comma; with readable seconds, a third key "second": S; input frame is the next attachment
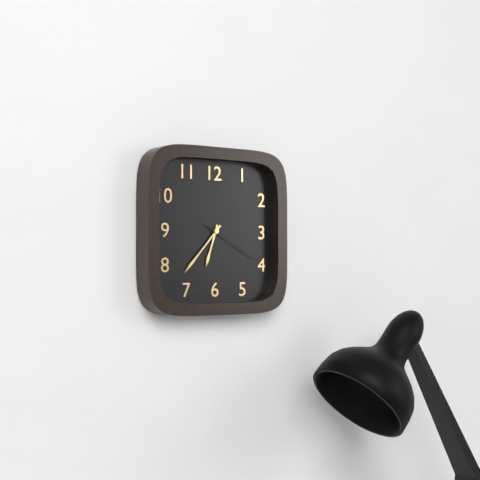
{"hour": 6, "minute": 37, "second": 20}
